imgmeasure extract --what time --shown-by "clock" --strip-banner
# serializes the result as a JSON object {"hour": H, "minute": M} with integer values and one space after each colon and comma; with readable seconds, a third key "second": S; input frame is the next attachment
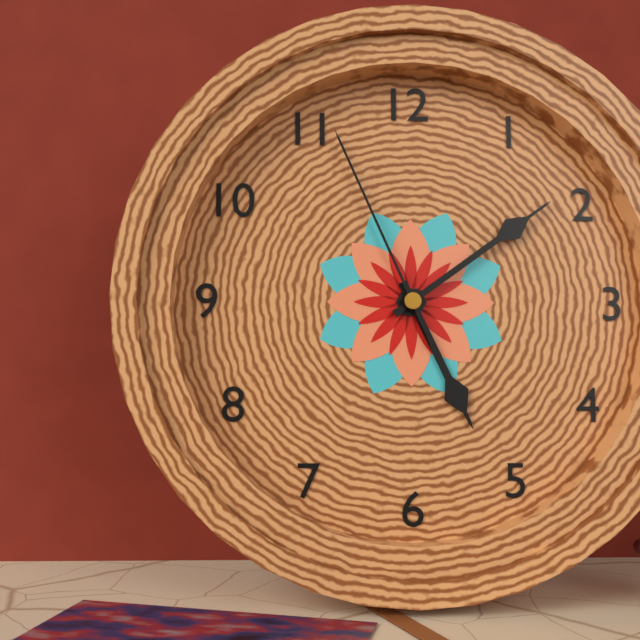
{"hour": 5, "minute": 9, "second": 56}
